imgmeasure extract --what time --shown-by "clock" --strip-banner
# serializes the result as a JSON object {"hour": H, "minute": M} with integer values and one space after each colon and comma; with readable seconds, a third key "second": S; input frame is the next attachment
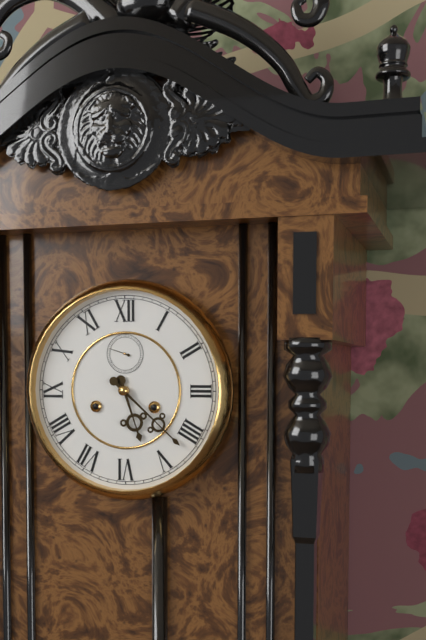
{"hour": 5, "minute": 22}
